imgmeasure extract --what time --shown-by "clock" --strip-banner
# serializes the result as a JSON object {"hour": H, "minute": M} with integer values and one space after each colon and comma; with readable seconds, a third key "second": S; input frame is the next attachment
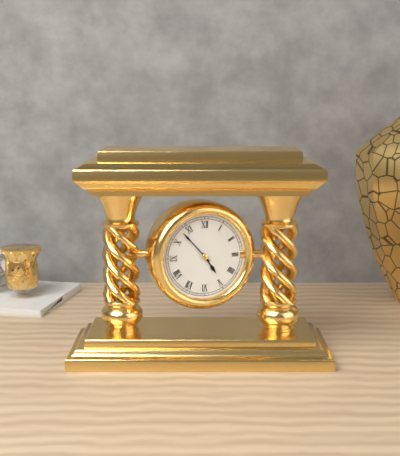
{"hour": 4, "minute": 53}
